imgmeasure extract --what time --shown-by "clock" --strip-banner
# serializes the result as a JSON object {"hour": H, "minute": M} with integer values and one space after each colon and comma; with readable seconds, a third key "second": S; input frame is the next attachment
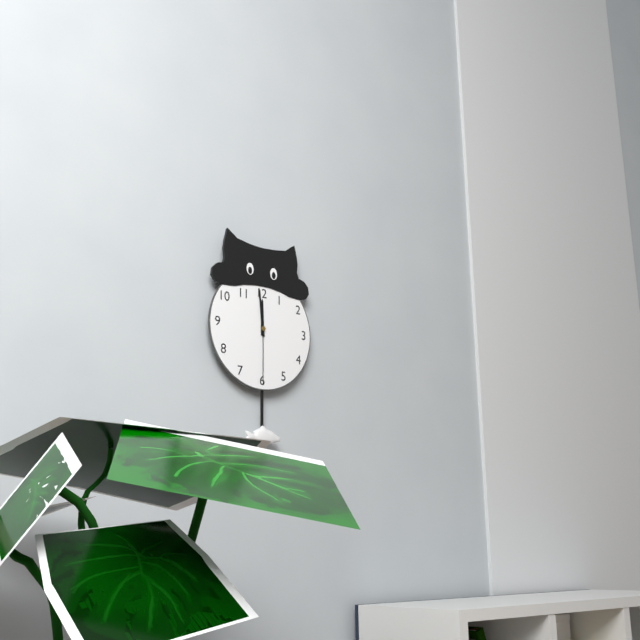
{"hour": 11, "minute": 59, "second": 30}
